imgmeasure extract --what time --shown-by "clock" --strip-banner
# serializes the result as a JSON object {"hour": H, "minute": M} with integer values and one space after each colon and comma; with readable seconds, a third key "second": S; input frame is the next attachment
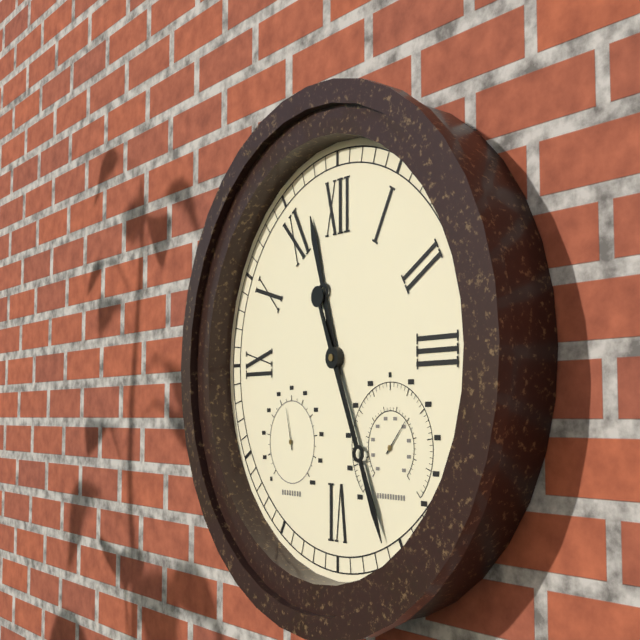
{"hour": 11, "minute": 26}
